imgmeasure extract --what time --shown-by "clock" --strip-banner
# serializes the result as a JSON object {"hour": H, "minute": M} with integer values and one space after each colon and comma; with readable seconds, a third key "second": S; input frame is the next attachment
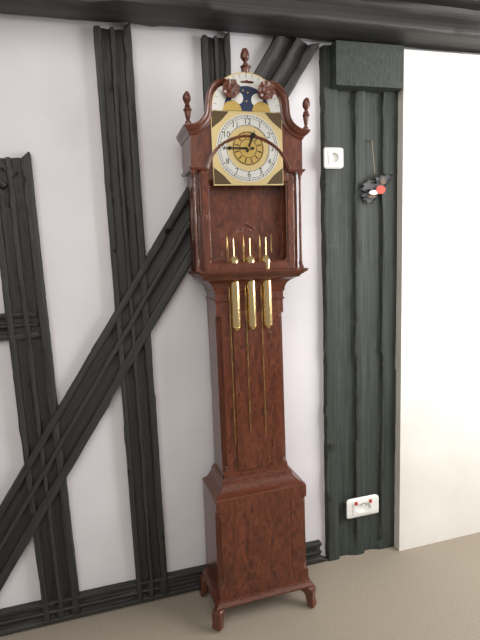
{"hour": 12, "minute": 45}
